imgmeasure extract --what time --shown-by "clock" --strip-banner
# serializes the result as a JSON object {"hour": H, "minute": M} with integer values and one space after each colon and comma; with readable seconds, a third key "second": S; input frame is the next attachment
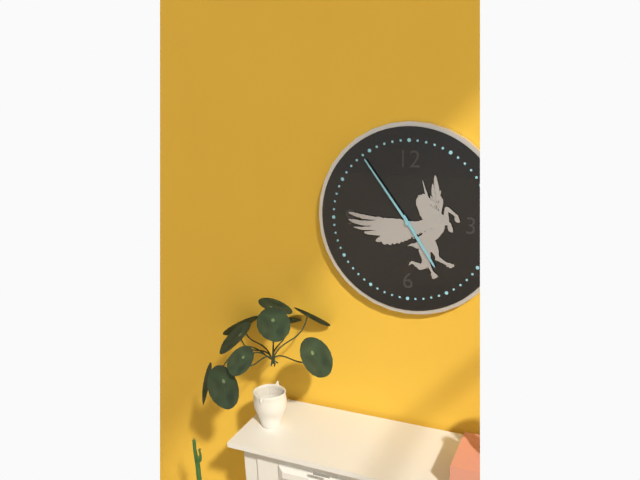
{"hour": 4, "minute": 54}
